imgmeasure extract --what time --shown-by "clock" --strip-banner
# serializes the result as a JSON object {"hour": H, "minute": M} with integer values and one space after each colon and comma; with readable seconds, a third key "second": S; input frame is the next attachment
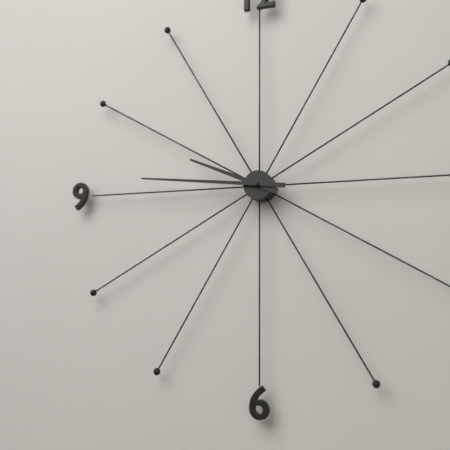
{"hour": 9, "minute": 46}
